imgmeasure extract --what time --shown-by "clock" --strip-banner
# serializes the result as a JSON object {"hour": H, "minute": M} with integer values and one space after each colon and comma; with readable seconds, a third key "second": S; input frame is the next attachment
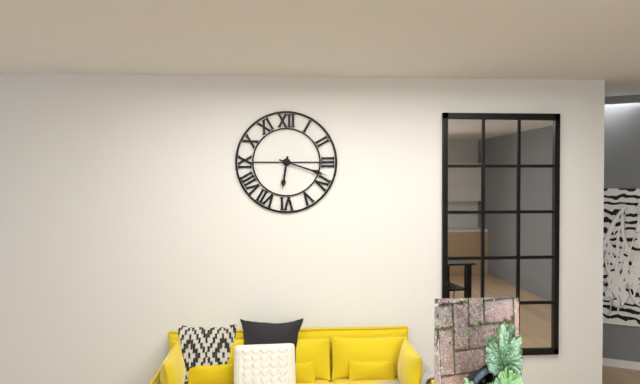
{"hour": 6, "minute": 18}
